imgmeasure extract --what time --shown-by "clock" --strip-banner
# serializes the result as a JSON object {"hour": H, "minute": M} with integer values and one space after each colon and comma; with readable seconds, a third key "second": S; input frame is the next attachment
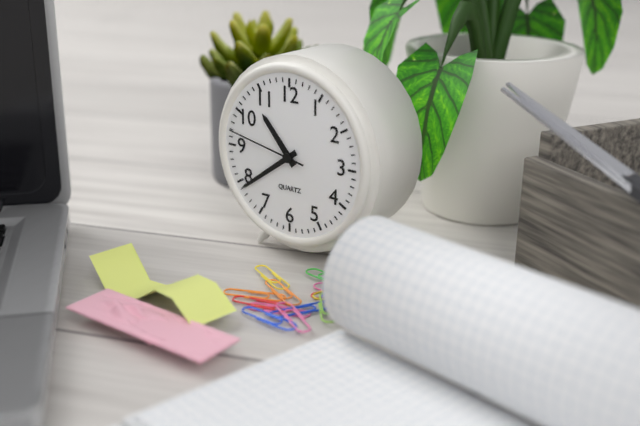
{"hour": 10, "minute": 39, "second": 47}
